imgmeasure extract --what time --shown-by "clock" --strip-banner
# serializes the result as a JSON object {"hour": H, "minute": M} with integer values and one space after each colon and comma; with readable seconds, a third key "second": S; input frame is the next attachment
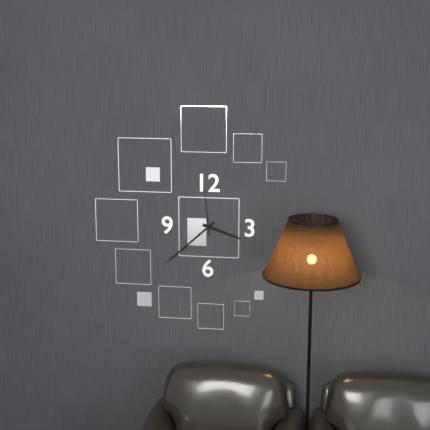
{"hour": 3, "minute": 38, "second": 59}
